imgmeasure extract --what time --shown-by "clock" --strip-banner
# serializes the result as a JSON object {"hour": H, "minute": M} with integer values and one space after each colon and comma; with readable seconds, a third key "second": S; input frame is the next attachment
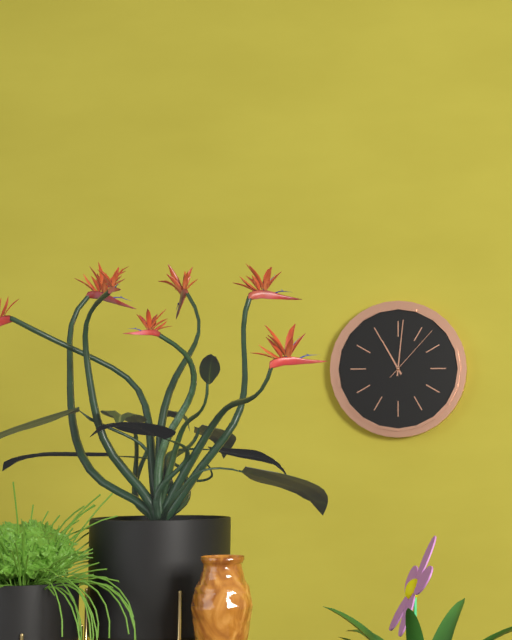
{"hour": 11, "minute": 1, "second": 7}
